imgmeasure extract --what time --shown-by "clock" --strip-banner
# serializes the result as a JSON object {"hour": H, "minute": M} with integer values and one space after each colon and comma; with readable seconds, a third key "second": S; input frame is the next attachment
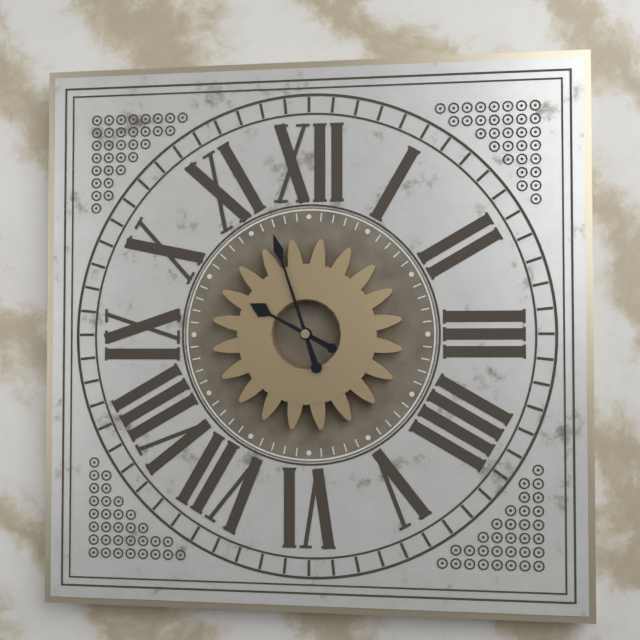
{"hour": 9, "minute": 57}
